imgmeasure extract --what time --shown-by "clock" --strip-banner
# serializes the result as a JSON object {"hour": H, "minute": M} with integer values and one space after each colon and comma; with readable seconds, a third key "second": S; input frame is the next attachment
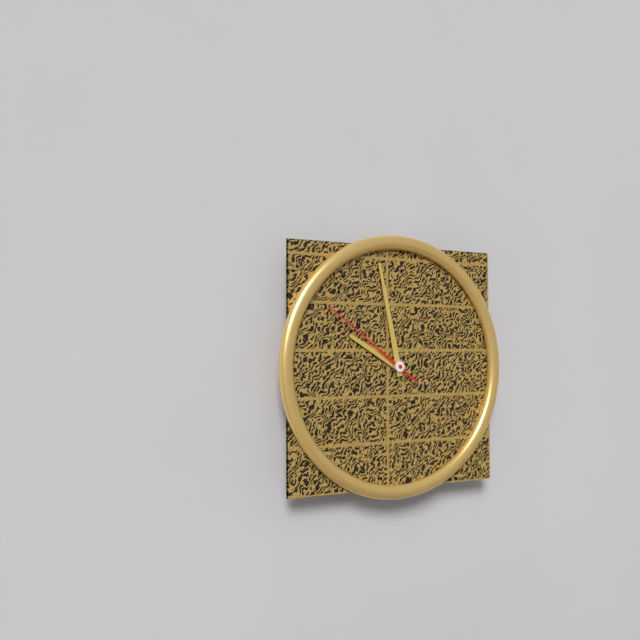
{"hour": 9, "minute": 58, "second": 51}
